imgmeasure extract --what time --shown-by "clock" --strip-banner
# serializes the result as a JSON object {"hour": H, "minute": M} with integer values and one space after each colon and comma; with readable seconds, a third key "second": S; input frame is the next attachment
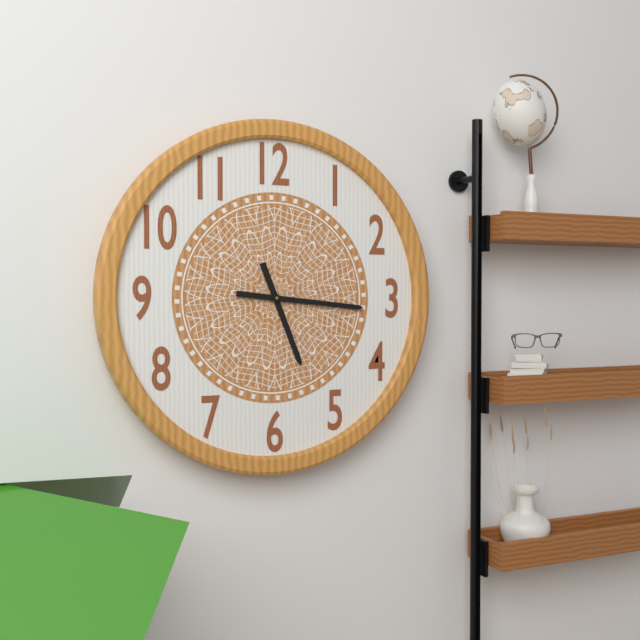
{"hour": 5, "minute": 16}
